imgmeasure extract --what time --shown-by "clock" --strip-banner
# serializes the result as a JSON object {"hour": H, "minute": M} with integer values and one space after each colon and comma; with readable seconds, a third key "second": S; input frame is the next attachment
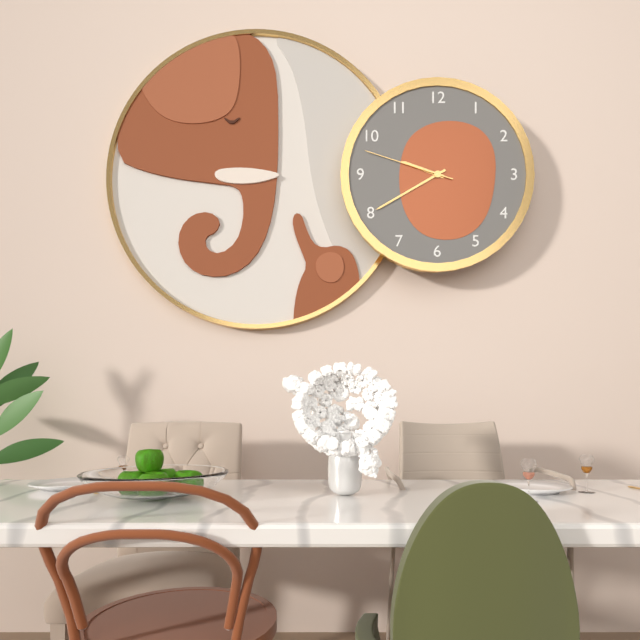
{"hour": 9, "minute": 40, "second": 48}
